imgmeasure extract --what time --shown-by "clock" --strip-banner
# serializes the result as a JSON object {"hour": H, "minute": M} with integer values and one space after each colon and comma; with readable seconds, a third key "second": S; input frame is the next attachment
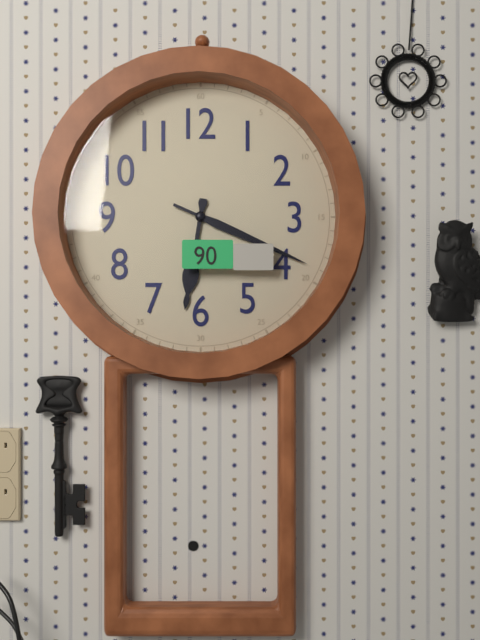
{"hour": 6, "minute": 19}
